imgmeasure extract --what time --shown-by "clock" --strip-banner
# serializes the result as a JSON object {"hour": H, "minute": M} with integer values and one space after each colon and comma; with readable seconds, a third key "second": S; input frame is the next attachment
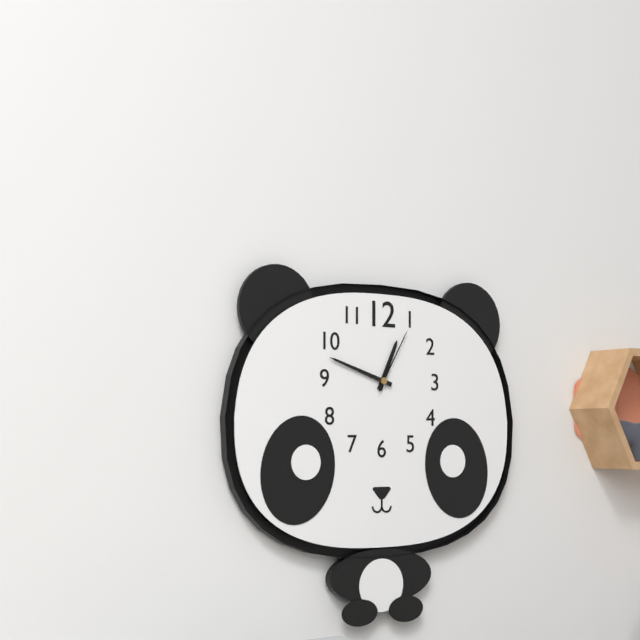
{"hour": 12, "minute": 48, "second": 5}
